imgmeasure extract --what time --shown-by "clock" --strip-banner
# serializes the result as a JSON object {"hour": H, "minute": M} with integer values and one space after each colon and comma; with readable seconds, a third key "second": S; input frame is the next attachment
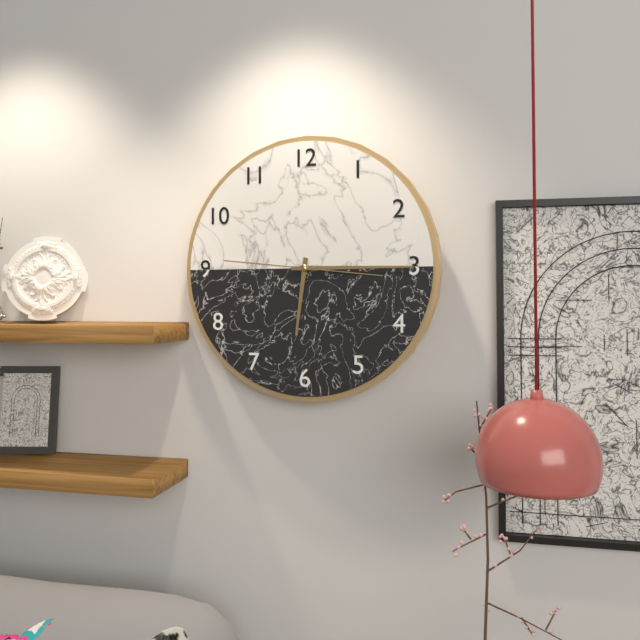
{"hour": 6, "minute": 15, "second": 46}
